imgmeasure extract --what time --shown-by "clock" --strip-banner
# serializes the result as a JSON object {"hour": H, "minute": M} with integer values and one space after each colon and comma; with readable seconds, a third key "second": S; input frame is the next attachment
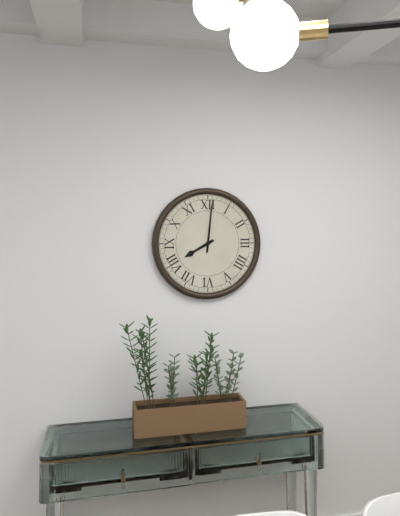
{"hour": 8, "minute": 1}
